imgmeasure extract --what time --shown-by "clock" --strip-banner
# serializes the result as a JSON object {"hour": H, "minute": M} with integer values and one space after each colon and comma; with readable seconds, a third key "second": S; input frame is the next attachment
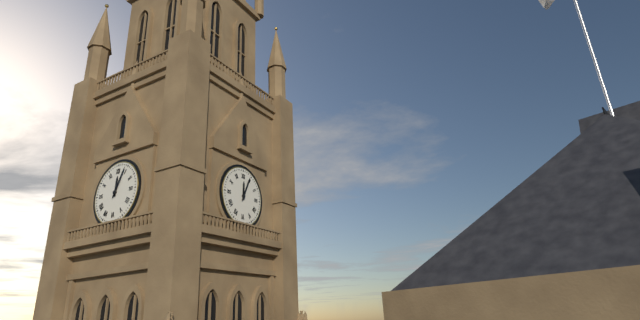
{"hour": 12, "minute": 4}
